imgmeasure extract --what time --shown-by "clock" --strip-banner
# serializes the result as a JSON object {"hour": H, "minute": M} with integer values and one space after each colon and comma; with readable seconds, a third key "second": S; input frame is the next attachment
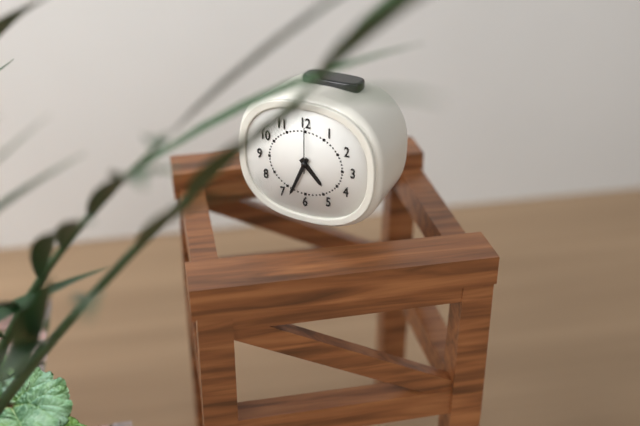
{"hour": 4, "minute": 34}
